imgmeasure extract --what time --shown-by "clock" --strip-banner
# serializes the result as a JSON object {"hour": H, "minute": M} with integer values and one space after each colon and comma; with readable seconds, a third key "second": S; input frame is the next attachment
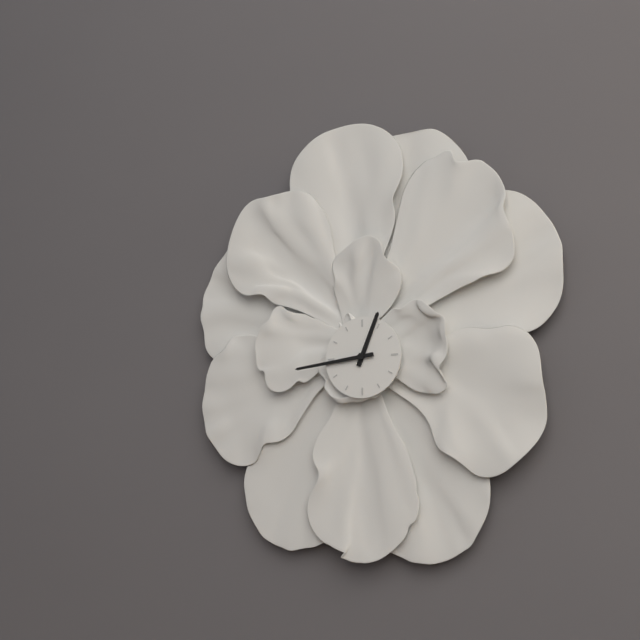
{"hour": 12, "minute": 44}
